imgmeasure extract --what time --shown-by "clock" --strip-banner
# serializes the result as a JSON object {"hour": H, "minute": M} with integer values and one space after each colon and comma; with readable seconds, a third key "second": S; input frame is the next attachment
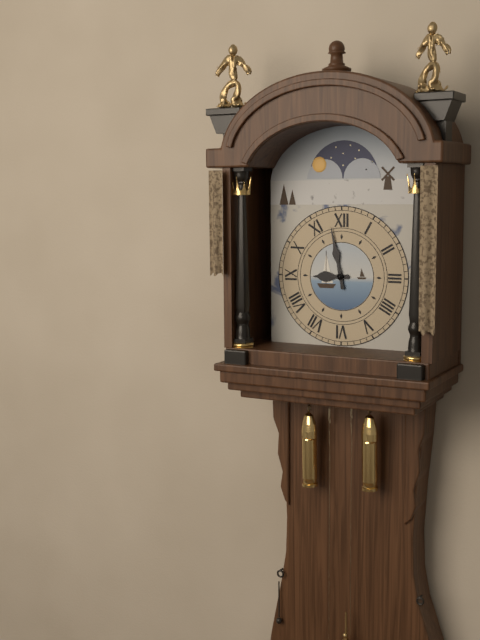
{"hour": 8, "minute": 58}
